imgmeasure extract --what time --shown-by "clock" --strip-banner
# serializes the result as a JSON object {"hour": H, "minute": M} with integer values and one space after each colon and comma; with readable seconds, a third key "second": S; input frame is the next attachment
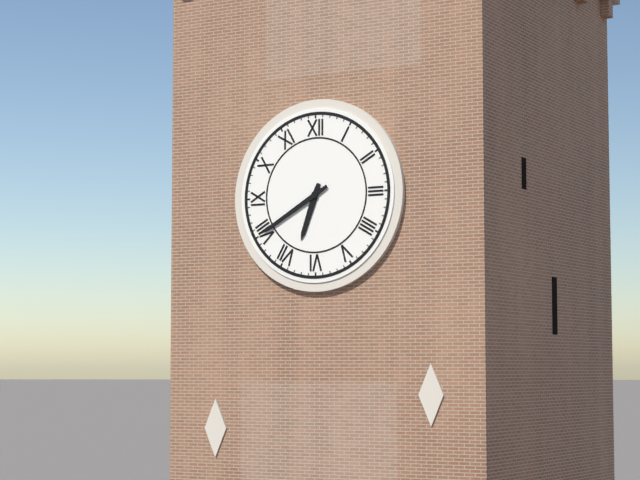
{"hour": 6, "minute": 40}
